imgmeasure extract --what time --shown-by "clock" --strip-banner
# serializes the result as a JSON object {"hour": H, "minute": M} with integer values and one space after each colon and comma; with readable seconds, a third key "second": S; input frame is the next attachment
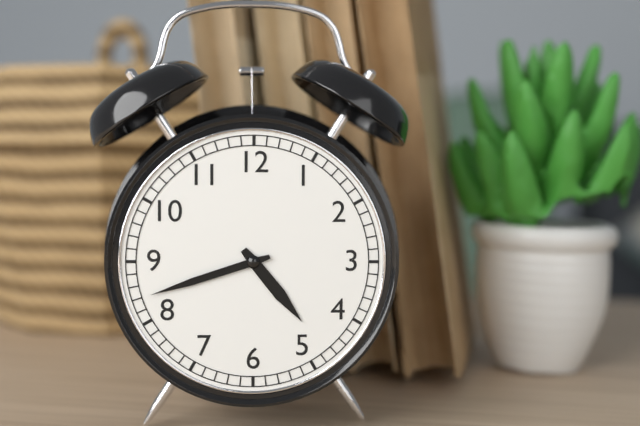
{"hour": 4, "minute": 42}
